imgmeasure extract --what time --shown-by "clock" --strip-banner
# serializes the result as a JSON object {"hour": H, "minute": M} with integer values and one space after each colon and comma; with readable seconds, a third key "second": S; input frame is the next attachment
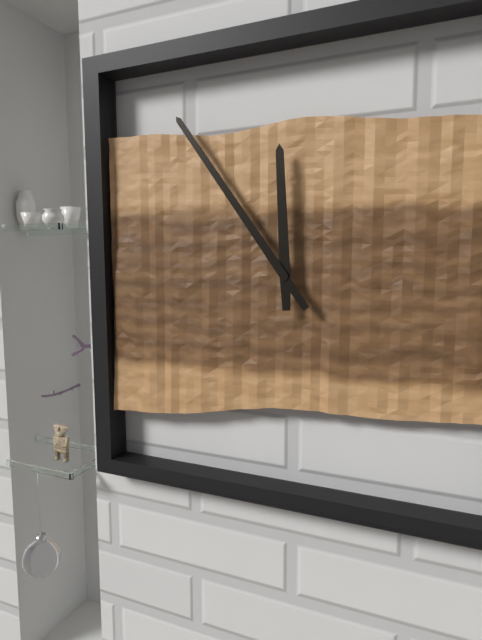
{"hour": 11, "minute": 54}
